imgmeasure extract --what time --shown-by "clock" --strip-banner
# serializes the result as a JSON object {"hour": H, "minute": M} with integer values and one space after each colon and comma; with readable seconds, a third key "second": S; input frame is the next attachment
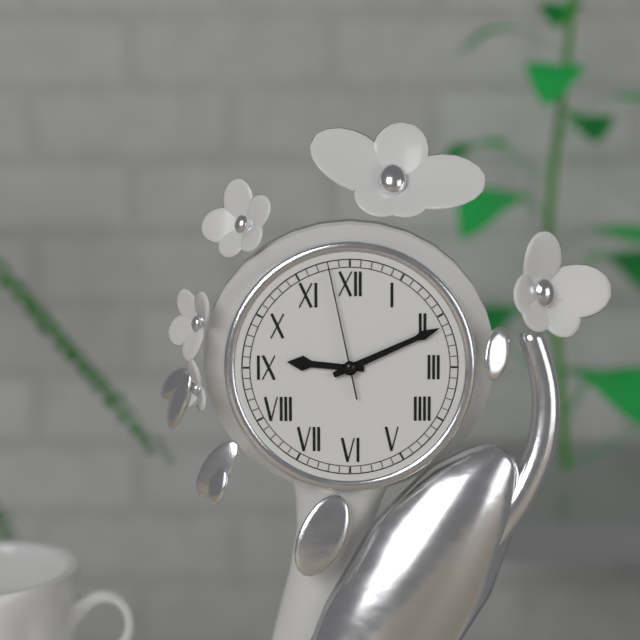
{"hour": 9, "minute": 11, "second": 58}
